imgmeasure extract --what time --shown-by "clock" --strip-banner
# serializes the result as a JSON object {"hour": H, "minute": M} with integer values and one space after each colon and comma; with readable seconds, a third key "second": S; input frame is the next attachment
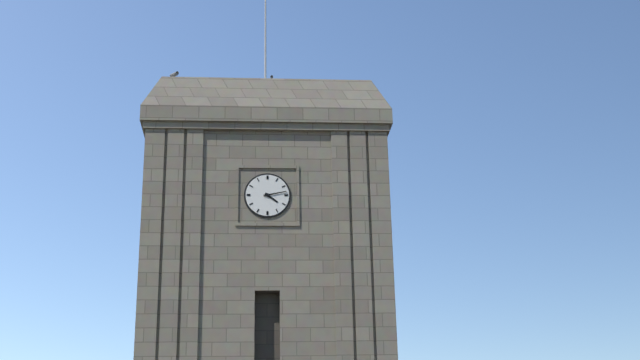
{"hour": 4, "minute": 13}
